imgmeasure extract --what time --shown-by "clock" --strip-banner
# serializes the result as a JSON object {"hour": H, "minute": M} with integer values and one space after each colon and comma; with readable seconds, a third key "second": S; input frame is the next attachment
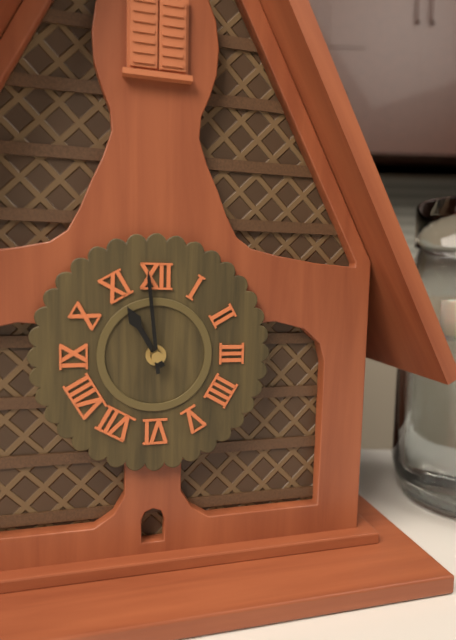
{"hour": 10, "minute": 59}
